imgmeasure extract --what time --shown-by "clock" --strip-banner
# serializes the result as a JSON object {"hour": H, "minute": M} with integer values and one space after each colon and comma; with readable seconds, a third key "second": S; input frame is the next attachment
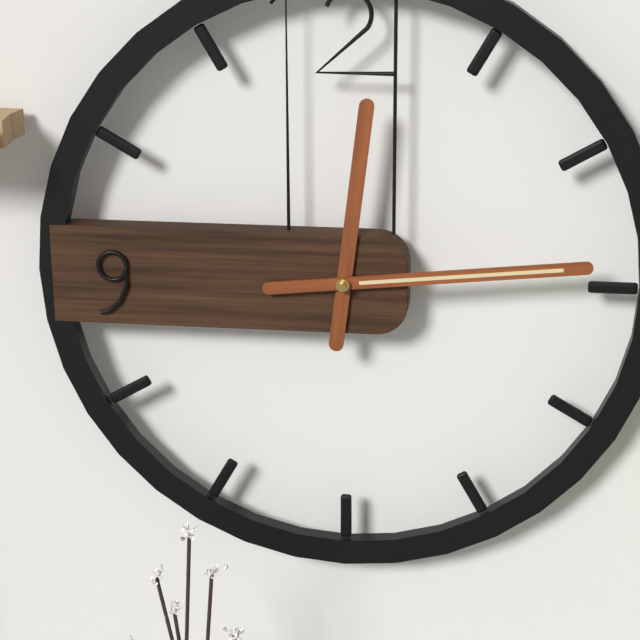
{"hour": 12, "minute": 14}
